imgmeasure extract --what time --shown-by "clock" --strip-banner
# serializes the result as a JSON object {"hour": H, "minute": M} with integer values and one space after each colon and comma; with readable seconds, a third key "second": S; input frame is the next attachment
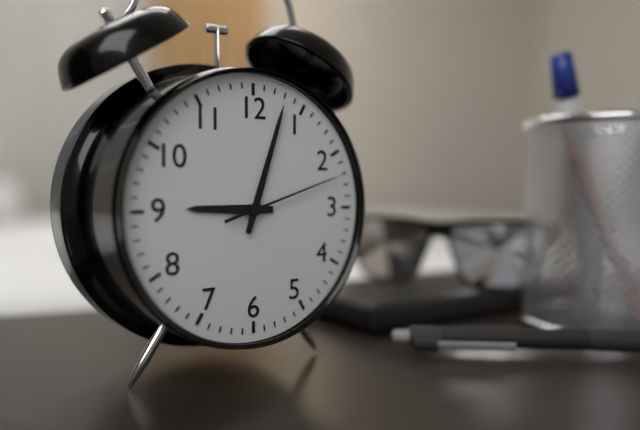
{"hour": 9, "minute": 3, "second": 12}
